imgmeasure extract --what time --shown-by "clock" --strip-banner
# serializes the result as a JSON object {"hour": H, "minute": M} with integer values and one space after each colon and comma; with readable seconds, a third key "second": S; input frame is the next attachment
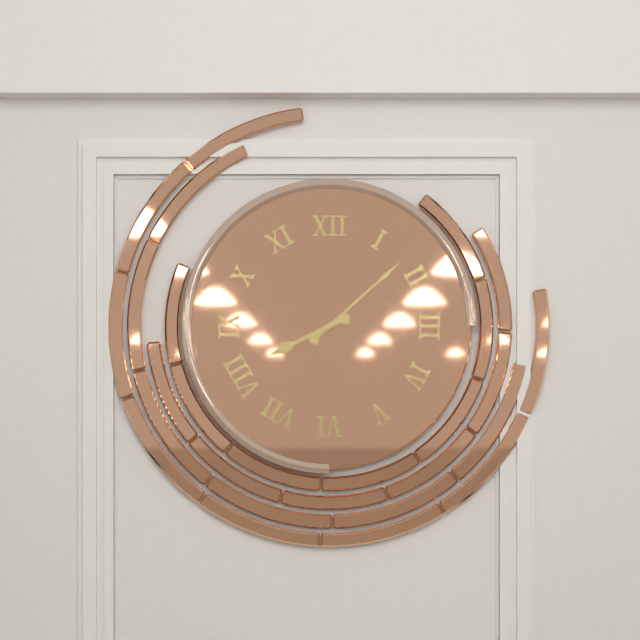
{"hour": 8, "minute": 8}
